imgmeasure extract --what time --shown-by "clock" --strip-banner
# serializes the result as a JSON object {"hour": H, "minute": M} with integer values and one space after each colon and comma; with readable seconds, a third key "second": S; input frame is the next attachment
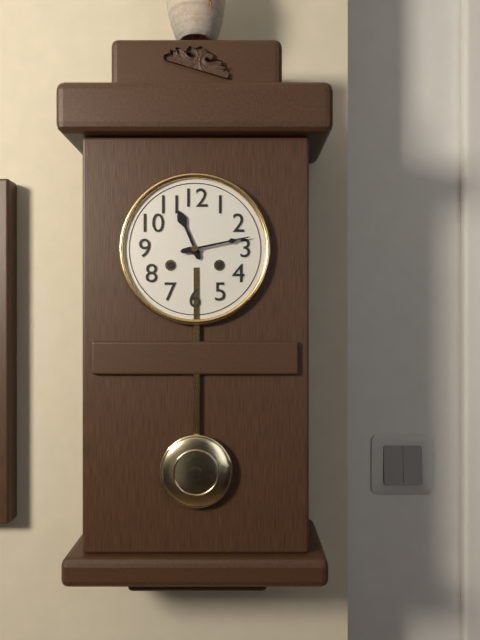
{"hour": 11, "minute": 13}
